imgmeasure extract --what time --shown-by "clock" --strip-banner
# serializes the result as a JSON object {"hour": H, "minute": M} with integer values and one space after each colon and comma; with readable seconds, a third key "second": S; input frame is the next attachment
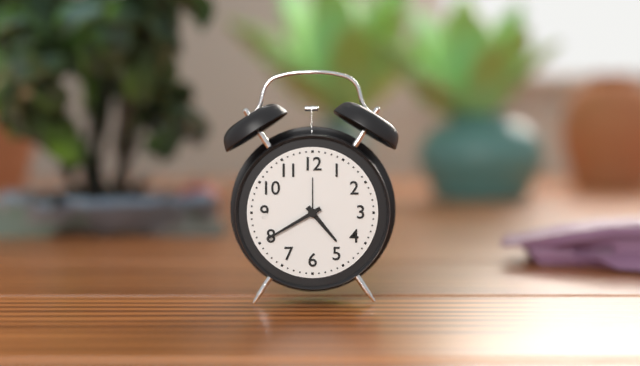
{"hour": 4, "minute": 40}
